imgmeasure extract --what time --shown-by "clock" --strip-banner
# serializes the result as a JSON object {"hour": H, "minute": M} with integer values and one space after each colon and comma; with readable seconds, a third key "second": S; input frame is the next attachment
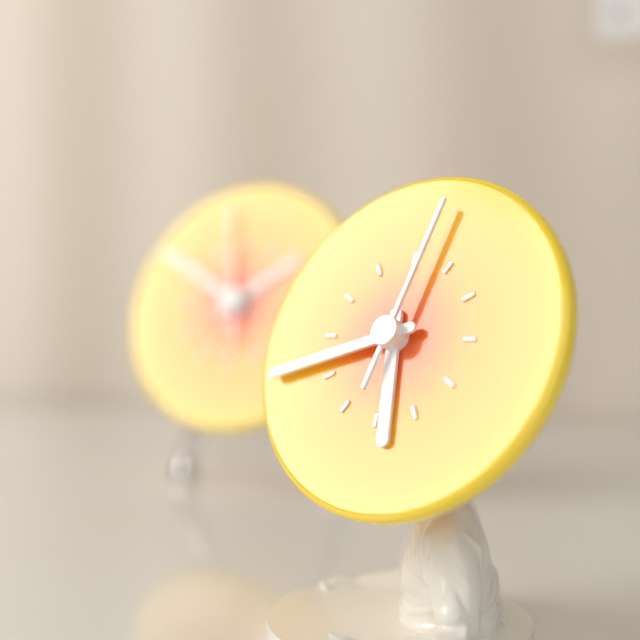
{"hour": 5, "minute": 42, "second": 2}
